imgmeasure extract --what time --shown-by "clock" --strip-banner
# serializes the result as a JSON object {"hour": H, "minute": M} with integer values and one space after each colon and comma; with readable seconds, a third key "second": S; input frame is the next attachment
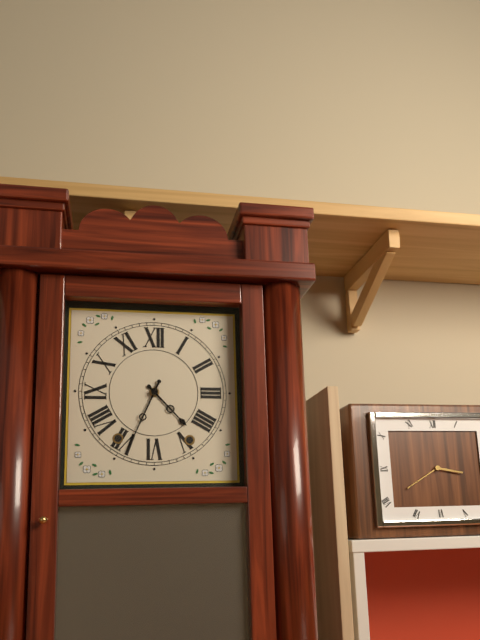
{"hour": 4, "minute": 34}
